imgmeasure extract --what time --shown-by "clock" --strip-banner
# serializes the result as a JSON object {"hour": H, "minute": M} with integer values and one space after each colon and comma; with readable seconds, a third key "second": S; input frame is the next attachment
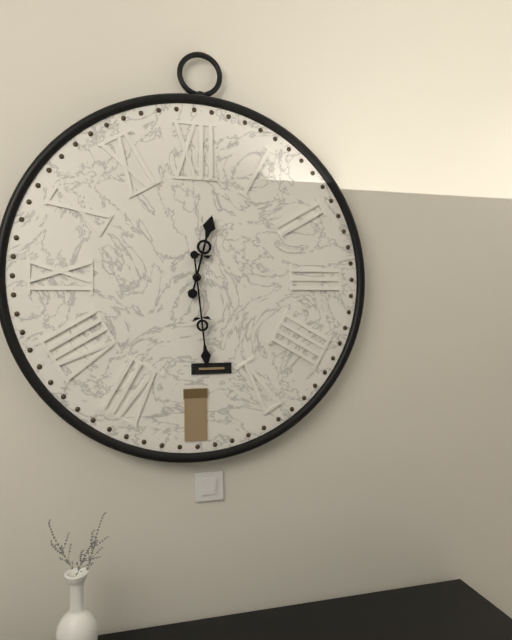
{"hour": 12, "minute": 29}
